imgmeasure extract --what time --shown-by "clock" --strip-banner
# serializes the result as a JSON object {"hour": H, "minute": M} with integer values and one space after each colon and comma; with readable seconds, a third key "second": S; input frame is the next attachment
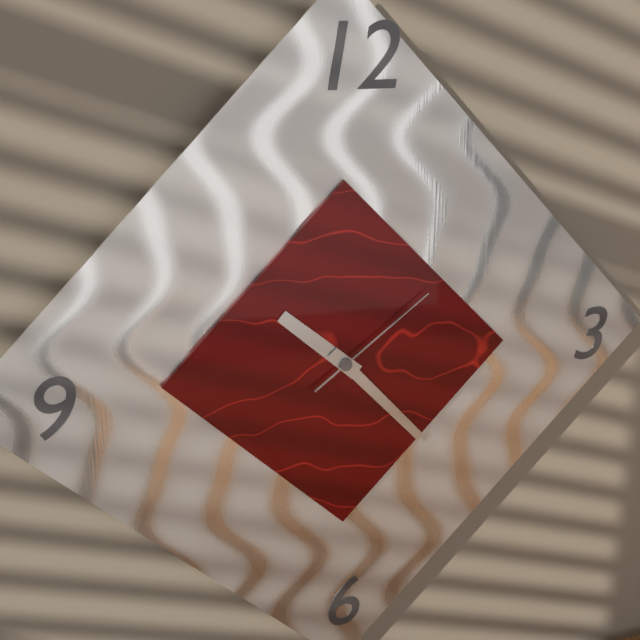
{"hour": 10, "minute": 23, "second": 9}
